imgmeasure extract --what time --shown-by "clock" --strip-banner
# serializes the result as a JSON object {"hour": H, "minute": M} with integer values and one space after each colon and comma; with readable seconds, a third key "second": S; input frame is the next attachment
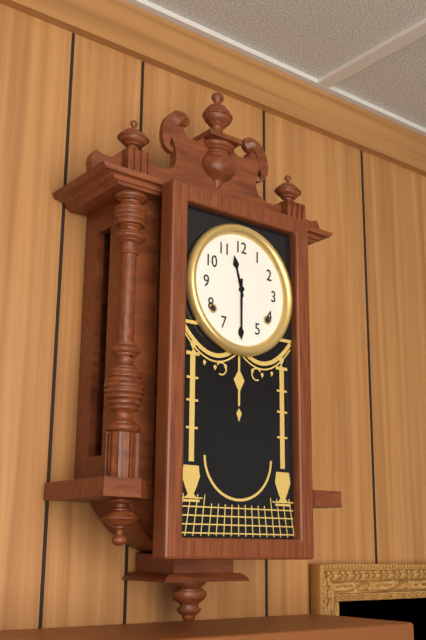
{"hour": 11, "minute": 30}
